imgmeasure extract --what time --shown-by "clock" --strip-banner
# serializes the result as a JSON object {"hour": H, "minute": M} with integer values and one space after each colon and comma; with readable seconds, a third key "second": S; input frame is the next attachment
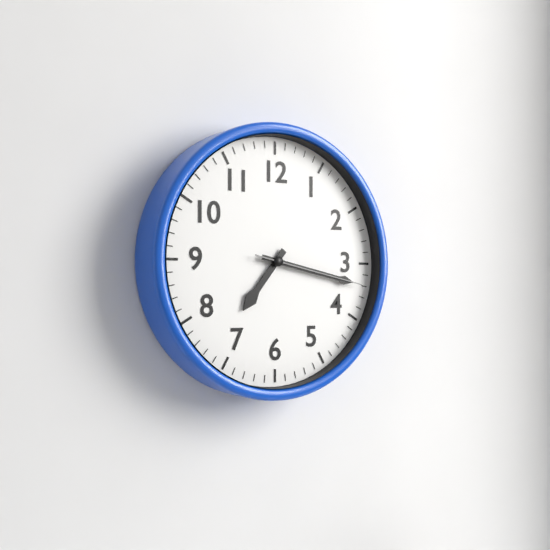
{"hour": 7, "minute": 17, "second": 17}
